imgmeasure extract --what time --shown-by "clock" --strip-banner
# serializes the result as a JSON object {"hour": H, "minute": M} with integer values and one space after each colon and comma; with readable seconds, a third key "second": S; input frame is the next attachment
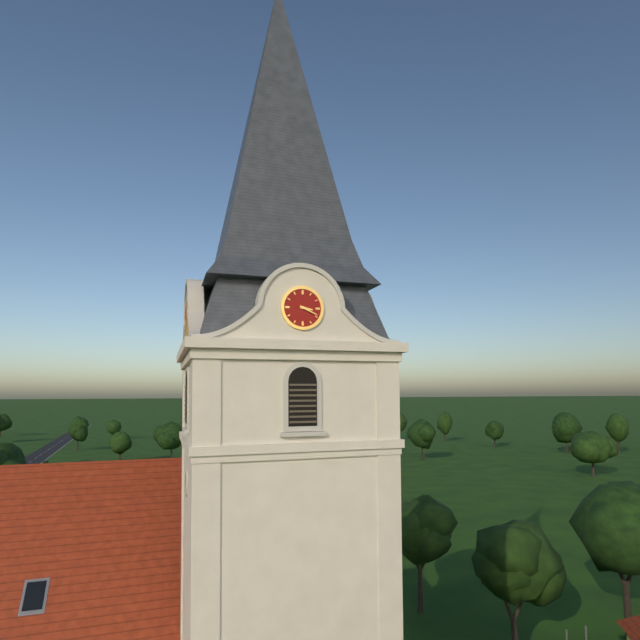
{"hour": 3, "minute": 19}
